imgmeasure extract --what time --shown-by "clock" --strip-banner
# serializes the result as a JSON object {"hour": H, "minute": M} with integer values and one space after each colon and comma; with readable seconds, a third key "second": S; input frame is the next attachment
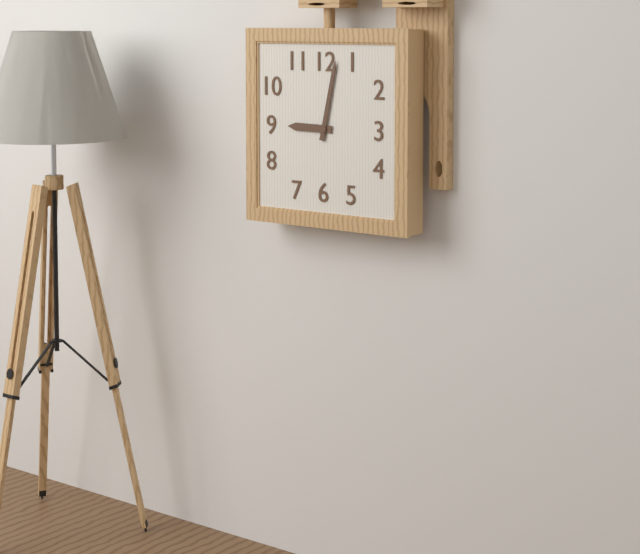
{"hour": 9, "minute": 2}
